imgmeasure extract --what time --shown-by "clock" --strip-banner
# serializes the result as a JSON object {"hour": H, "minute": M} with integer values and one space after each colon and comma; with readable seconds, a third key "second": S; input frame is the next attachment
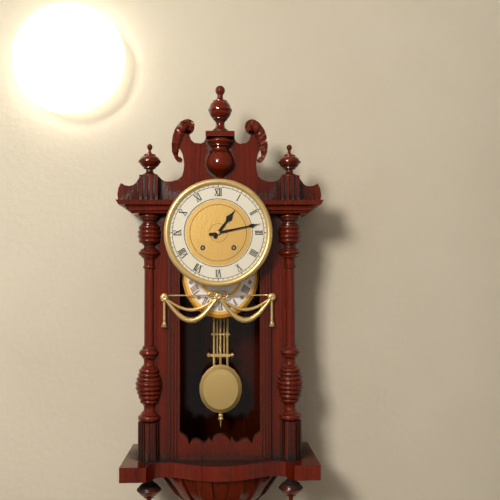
{"hour": 1, "minute": 13}
